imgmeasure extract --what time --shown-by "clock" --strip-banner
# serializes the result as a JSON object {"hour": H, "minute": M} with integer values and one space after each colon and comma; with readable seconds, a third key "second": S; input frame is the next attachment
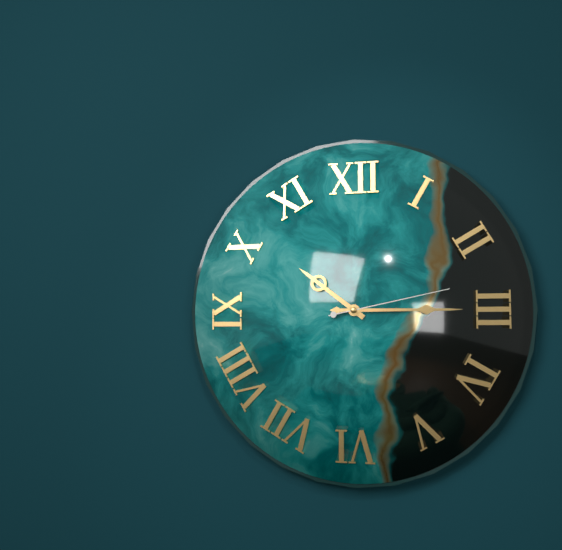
{"hour": 10, "minute": 15, "second": 13}
